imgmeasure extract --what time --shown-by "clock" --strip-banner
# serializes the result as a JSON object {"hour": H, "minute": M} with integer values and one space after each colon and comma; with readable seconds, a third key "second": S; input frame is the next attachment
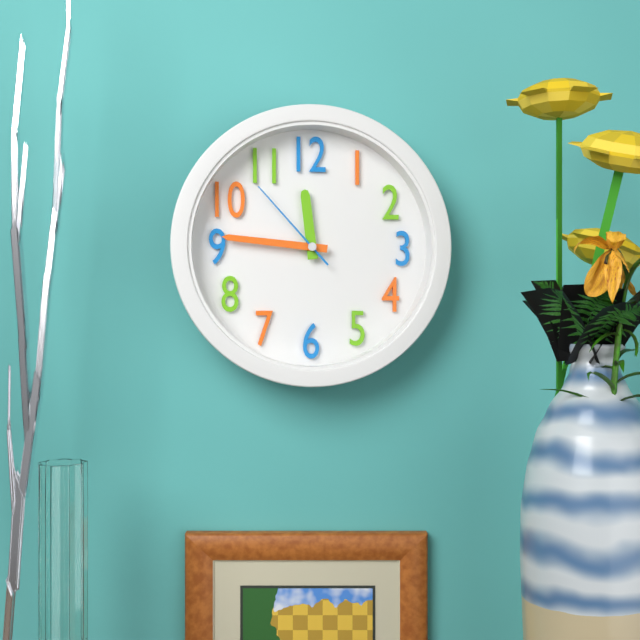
{"hour": 11, "minute": 46, "second": 53}
